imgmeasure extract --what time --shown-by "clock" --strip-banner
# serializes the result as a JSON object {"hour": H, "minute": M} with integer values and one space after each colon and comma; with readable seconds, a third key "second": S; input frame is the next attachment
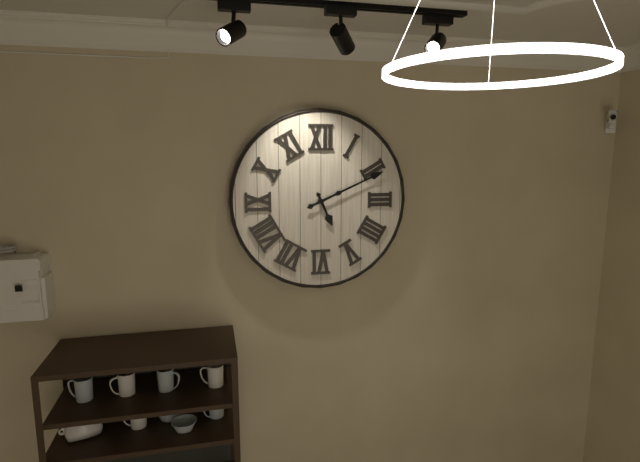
{"hour": 5, "minute": 11}
